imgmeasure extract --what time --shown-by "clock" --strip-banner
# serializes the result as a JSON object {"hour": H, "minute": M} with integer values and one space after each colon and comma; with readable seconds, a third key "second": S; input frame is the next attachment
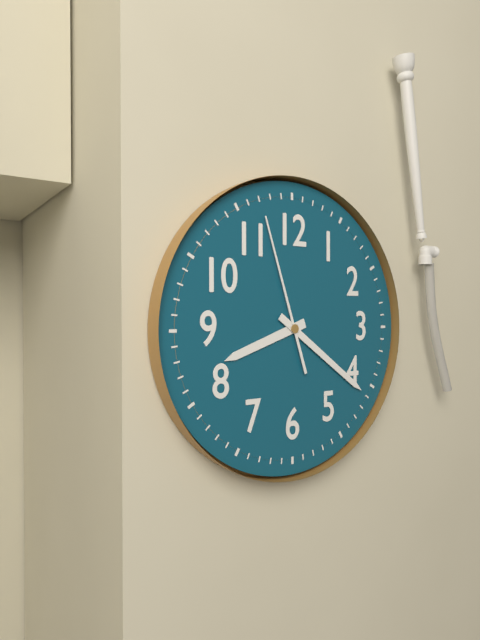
{"hour": 8, "minute": 21, "second": 57}
